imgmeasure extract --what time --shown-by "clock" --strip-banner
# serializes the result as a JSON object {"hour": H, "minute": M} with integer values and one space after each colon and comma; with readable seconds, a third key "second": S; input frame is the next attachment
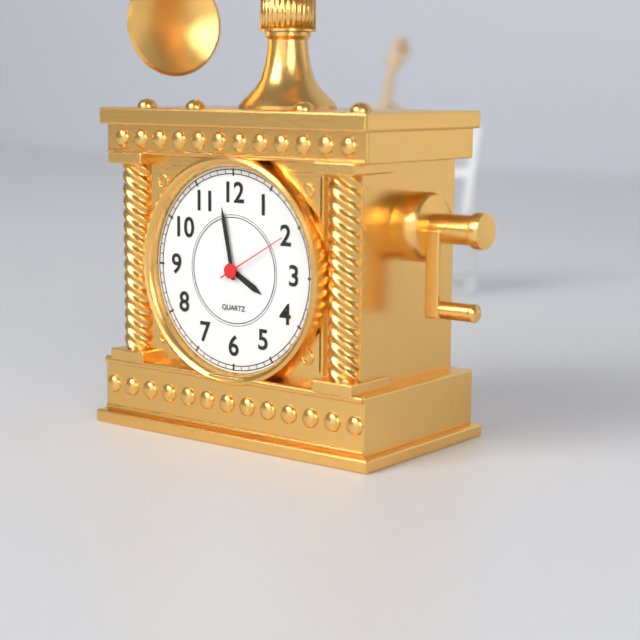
{"hour": 3, "minute": 58, "second": 10}
